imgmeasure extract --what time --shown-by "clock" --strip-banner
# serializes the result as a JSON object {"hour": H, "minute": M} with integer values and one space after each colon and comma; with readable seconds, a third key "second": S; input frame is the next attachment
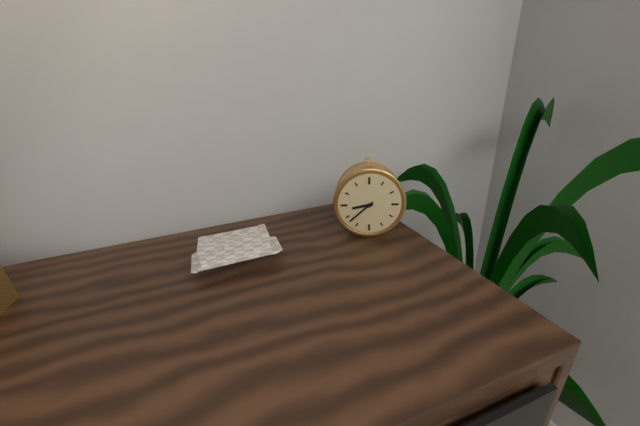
{"hour": 8, "minute": 38}
